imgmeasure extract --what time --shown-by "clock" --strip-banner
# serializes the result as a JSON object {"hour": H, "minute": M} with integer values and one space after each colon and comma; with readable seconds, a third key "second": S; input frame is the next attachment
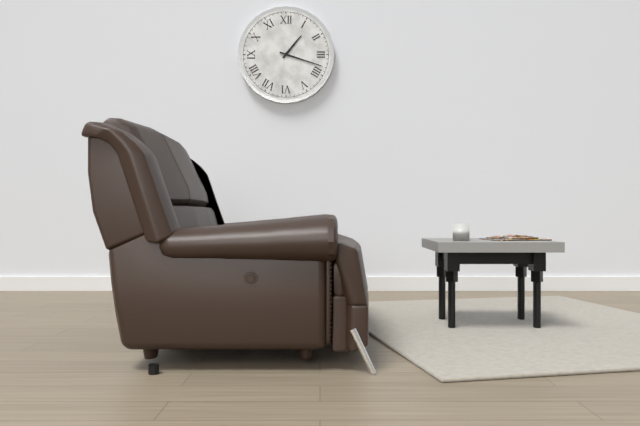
{"hour": 1, "minute": 18}
